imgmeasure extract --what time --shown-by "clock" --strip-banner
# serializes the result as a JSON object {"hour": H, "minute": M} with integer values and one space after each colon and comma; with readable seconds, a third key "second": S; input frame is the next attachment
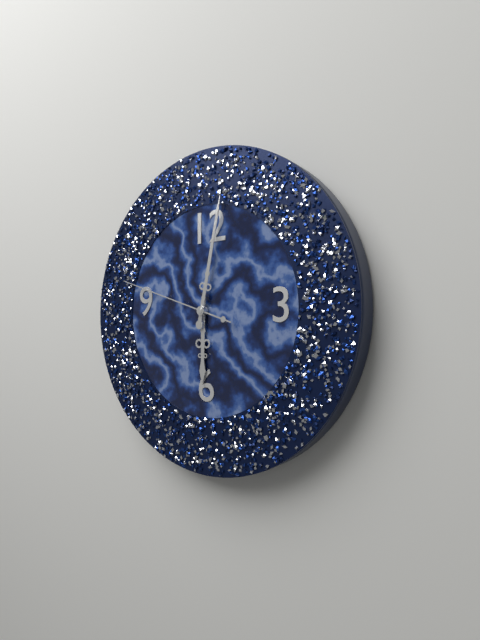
{"hour": 6, "minute": 2, "second": 48}
